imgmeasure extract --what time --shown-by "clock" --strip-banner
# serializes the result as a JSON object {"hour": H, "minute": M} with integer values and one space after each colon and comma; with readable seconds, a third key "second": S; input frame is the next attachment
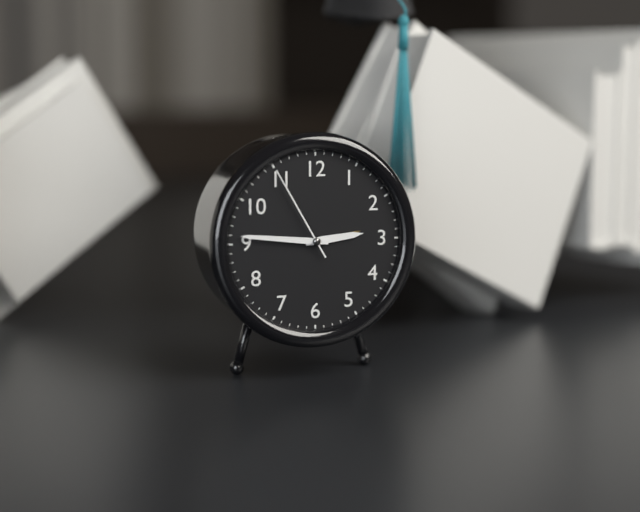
{"hour": 2, "minute": 46, "second": 55}
